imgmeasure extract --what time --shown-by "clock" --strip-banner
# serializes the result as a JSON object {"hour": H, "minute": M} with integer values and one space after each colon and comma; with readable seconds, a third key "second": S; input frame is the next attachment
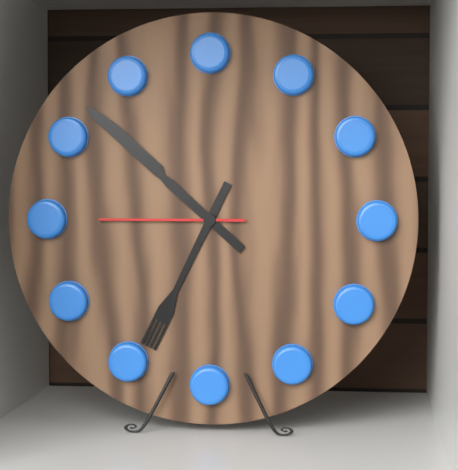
{"hour": 6, "minute": 52, "second": 45}
